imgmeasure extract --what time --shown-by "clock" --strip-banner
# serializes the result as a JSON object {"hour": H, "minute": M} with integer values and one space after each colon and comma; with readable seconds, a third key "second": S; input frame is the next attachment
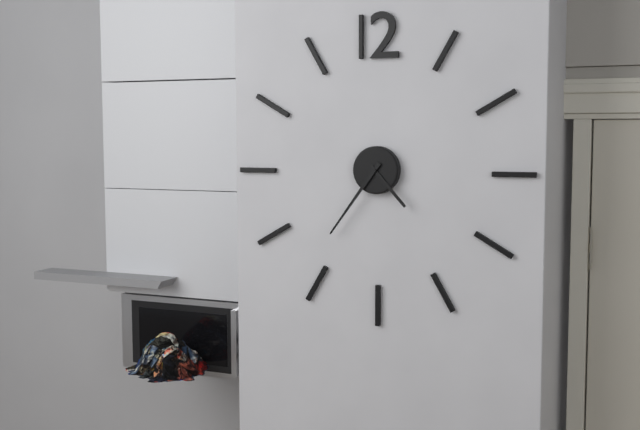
{"hour": 4, "minute": 36}
